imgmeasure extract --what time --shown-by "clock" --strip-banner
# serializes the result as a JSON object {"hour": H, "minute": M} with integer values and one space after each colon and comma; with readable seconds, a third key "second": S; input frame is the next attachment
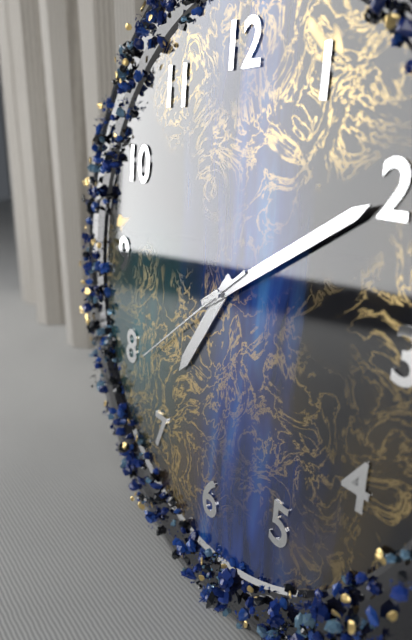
{"hour": 7, "minute": 10, "second": 39}
